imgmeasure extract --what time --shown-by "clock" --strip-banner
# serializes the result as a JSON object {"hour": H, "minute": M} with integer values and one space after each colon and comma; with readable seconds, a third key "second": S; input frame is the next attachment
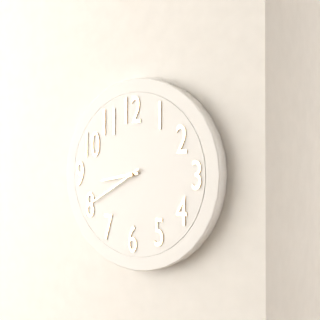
{"hour": 8, "minute": 40}
